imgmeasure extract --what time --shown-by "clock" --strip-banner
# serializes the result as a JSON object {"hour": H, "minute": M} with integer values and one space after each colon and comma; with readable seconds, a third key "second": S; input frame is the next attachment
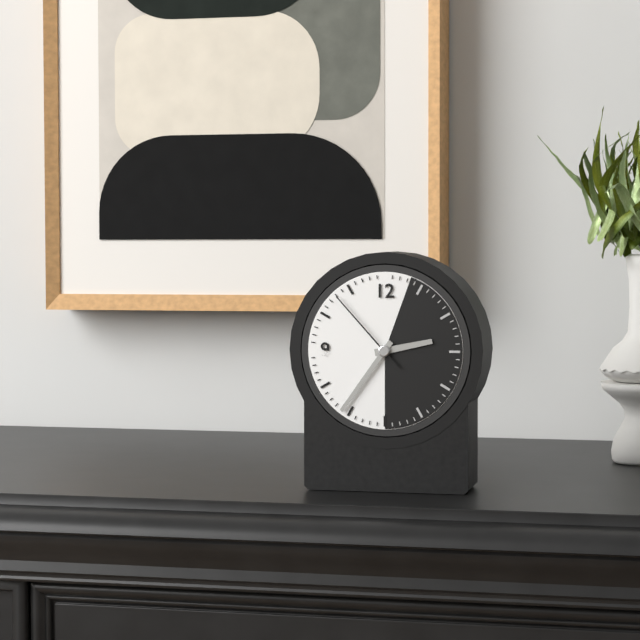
{"hour": 2, "minute": 36, "second": 53}
